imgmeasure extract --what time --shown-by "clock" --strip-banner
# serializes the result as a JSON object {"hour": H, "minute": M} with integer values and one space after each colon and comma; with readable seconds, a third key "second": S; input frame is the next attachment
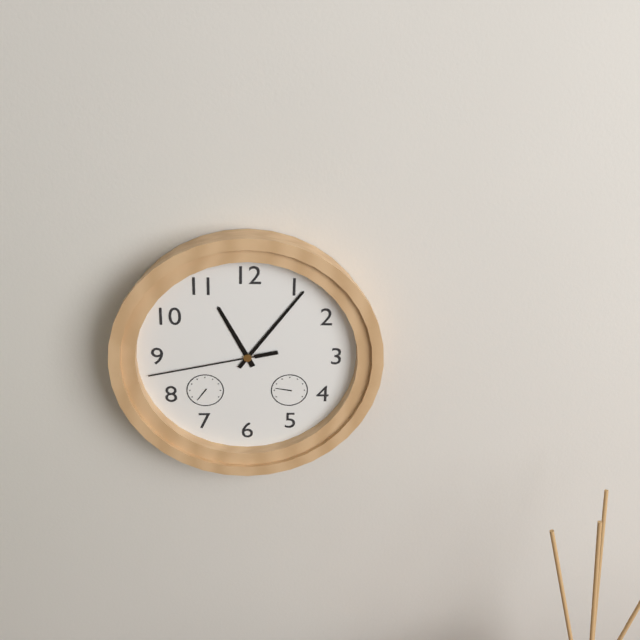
{"hour": 11, "minute": 6, "second": 43}
